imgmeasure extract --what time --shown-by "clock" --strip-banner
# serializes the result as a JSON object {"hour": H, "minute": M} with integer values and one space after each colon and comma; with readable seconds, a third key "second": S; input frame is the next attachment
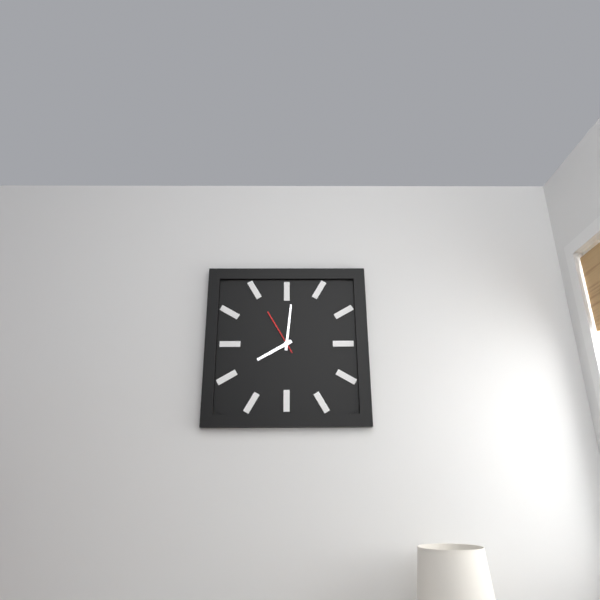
{"hour": 8, "minute": 1}
